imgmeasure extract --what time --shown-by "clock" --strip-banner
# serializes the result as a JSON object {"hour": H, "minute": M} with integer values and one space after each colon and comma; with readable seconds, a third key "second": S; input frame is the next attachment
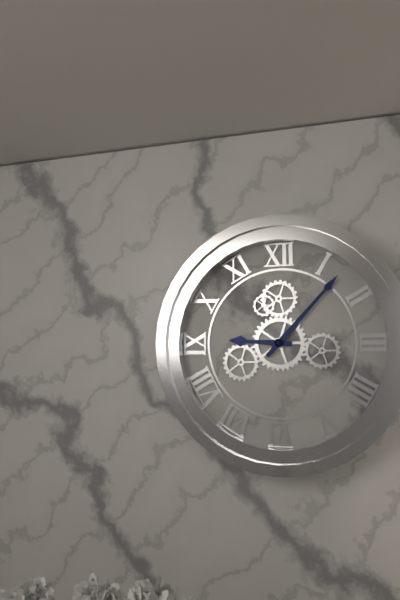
{"hour": 9, "minute": 7}
